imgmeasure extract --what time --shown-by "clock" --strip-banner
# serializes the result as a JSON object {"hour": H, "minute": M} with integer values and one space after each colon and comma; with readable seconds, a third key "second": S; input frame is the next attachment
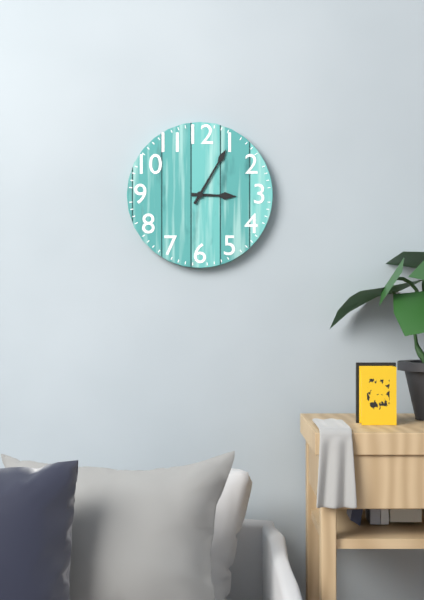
{"hour": 3, "minute": 5}
